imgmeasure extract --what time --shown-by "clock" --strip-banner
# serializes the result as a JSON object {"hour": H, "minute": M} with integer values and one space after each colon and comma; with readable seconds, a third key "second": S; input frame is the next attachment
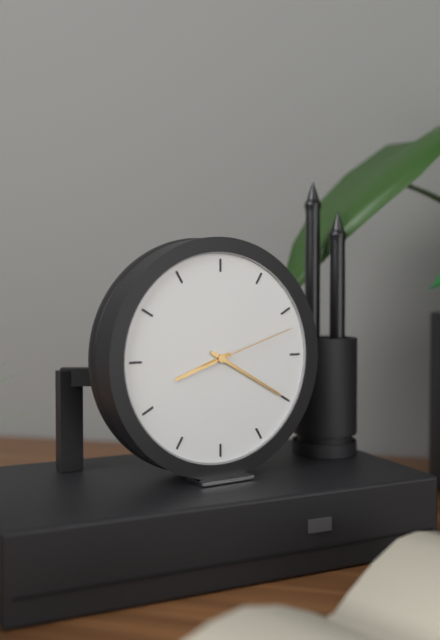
{"hour": 8, "minute": 20, "second": 12}
